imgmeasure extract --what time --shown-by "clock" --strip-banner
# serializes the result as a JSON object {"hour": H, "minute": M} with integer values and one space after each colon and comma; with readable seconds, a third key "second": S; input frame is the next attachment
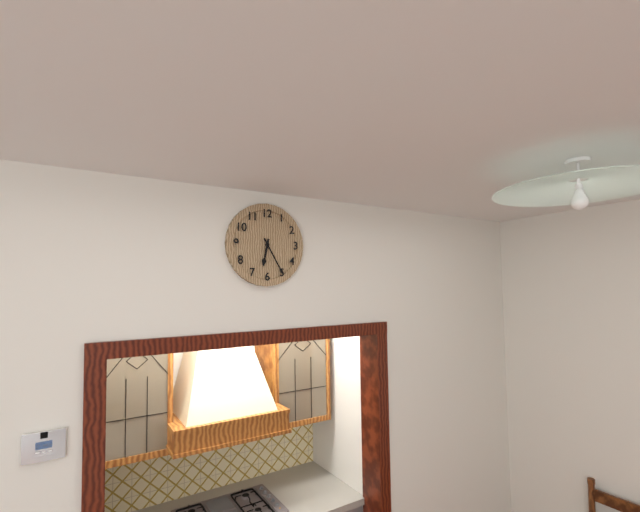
{"hour": 6, "minute": 25}
